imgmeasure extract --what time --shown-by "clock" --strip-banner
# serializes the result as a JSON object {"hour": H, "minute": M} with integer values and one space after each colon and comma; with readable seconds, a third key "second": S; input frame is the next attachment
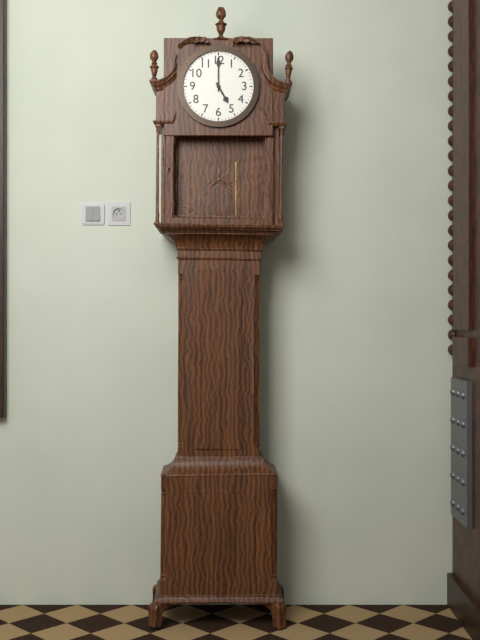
{"hour": 5, "minute": 0}
